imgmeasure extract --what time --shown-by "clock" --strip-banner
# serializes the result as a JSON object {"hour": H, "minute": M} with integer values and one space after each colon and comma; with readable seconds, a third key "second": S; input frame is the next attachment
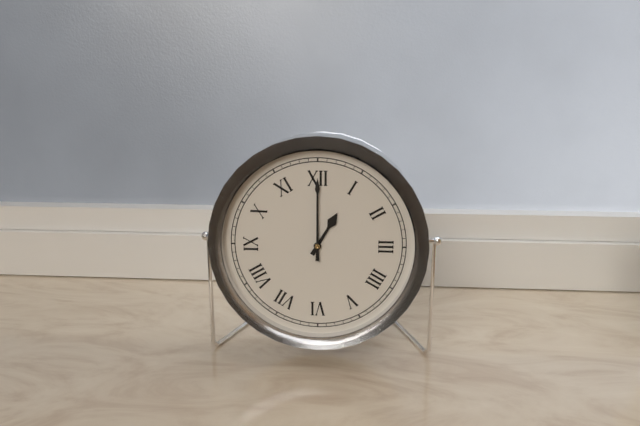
{"hour": 1, "minute": 0}
